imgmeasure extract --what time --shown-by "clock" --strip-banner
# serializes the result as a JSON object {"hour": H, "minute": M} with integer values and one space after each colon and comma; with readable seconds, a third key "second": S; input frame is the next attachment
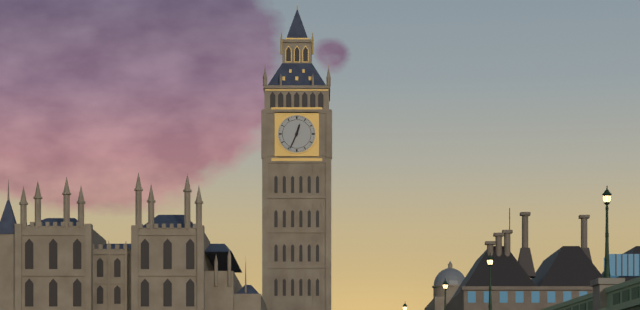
{"hour": 12, "minute": 34}
